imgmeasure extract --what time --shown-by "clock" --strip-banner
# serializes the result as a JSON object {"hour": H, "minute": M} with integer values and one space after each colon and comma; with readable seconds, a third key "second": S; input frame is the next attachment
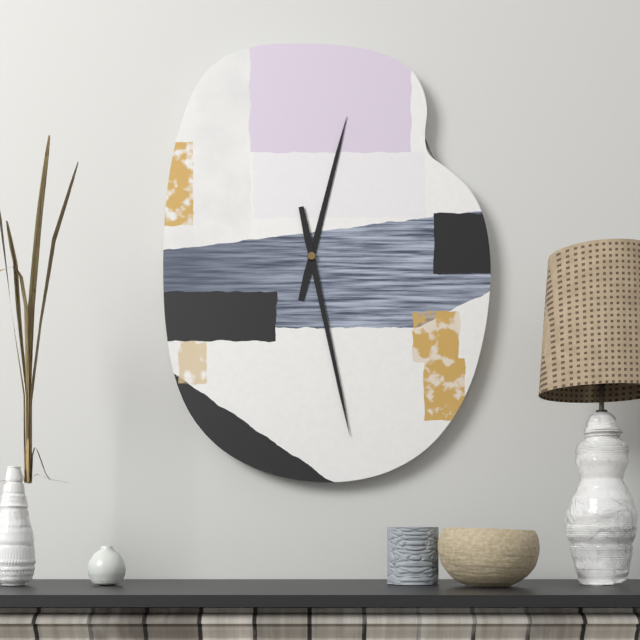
{"hour": 12, "minute": 28}
